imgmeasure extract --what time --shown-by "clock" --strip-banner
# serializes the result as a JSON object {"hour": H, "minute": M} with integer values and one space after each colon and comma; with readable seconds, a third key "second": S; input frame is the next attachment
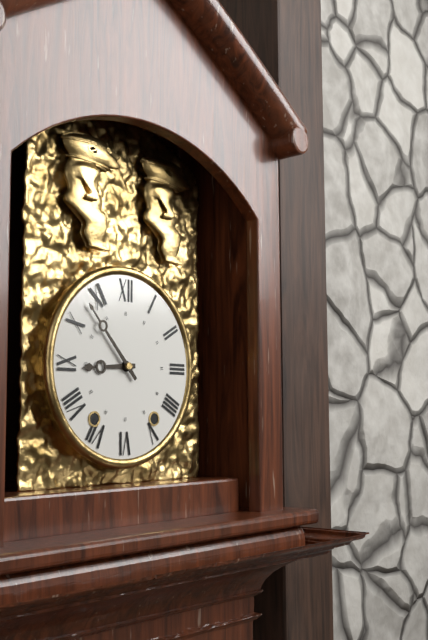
{"hour": 8, "minute": 53}
